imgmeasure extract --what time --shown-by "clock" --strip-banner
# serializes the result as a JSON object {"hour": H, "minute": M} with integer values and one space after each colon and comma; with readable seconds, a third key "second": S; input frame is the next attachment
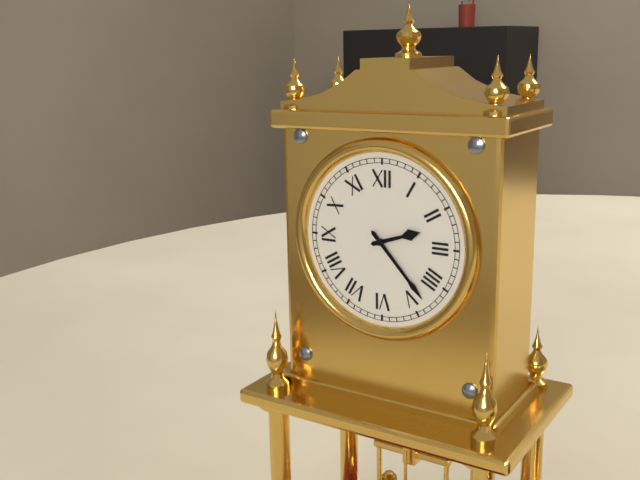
{"hour": 2, "minute": 23}
